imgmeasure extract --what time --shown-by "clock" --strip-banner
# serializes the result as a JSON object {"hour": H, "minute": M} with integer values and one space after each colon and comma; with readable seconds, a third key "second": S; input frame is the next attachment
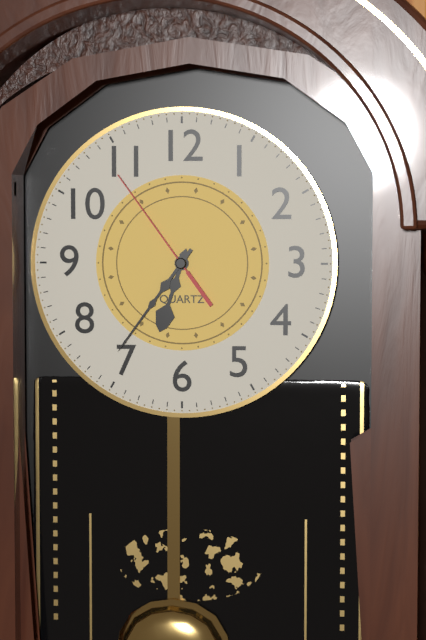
{"hour": 6, "minute": 36, "second": 54}
